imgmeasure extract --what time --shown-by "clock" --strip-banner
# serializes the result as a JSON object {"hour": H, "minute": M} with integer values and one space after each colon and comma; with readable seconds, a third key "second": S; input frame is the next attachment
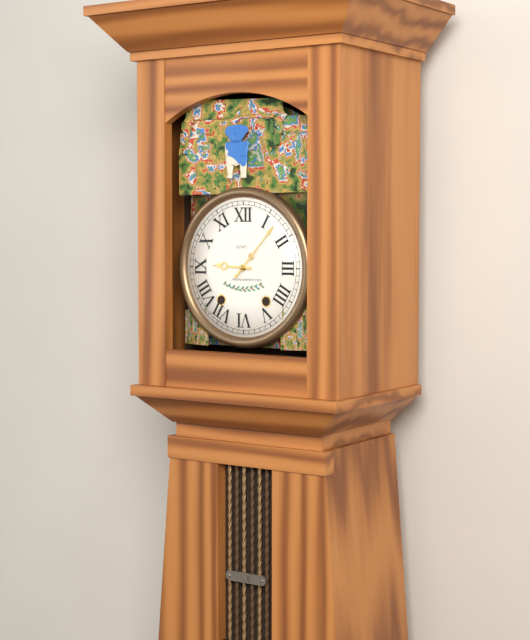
{"hour": 9, "minute": 7}
